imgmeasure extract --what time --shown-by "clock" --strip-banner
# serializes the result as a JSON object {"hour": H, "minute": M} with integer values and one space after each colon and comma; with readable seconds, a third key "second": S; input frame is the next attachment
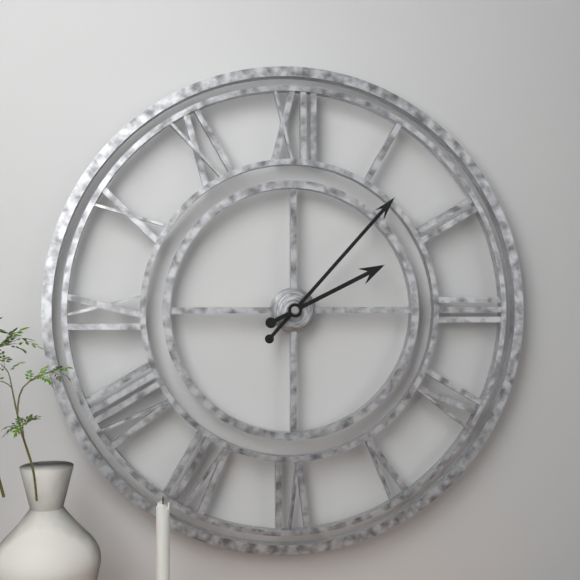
{"hour": 2, "minute": 7}
